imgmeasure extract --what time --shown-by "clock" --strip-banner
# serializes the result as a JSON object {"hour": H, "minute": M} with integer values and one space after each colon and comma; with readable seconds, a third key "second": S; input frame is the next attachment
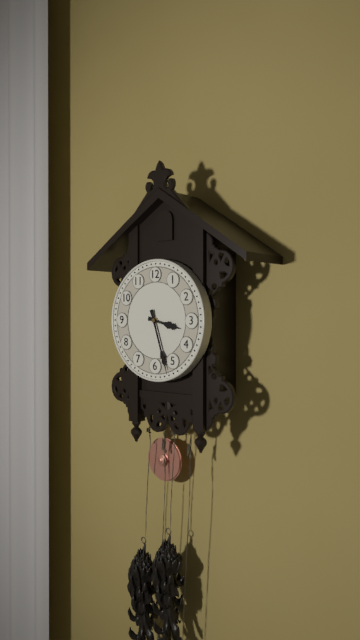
{"hour": 3, "minute": 27}
